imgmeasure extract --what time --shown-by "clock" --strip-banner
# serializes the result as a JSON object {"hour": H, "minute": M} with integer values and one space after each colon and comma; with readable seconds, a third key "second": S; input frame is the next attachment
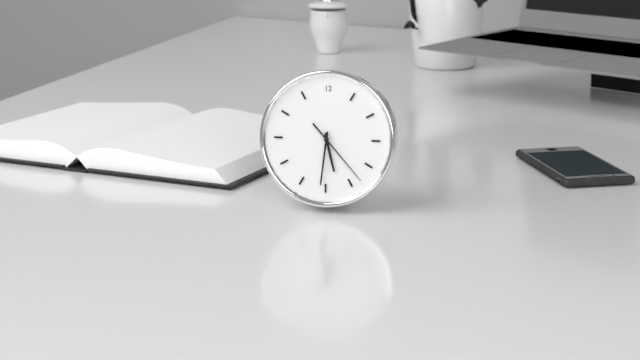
{"hour": 5, "minute": 31, "second": 23}
